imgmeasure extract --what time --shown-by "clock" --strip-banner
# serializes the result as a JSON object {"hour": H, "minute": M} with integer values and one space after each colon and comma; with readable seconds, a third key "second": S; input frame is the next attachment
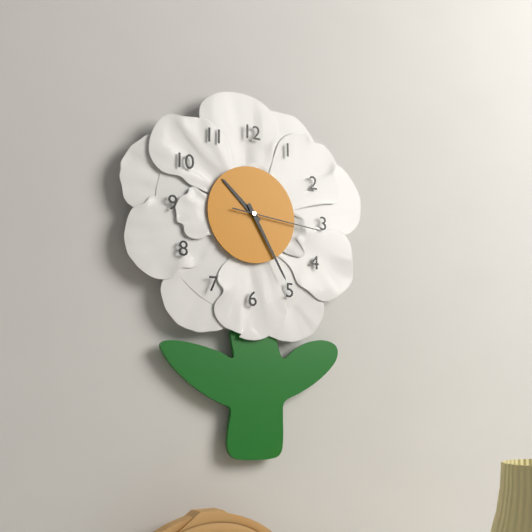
{"hour": 10, "minute": 25, "second": 16}
